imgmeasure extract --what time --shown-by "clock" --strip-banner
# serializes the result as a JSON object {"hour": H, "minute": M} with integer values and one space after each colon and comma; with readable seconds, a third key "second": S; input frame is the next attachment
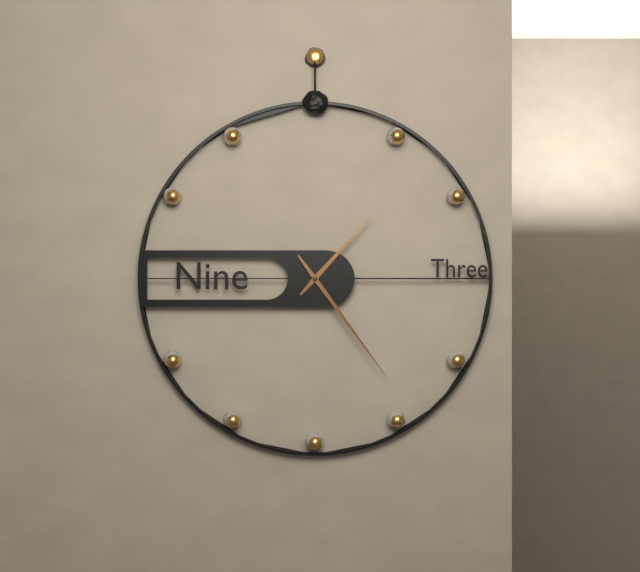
{"hour": 1, "minute": 24}
